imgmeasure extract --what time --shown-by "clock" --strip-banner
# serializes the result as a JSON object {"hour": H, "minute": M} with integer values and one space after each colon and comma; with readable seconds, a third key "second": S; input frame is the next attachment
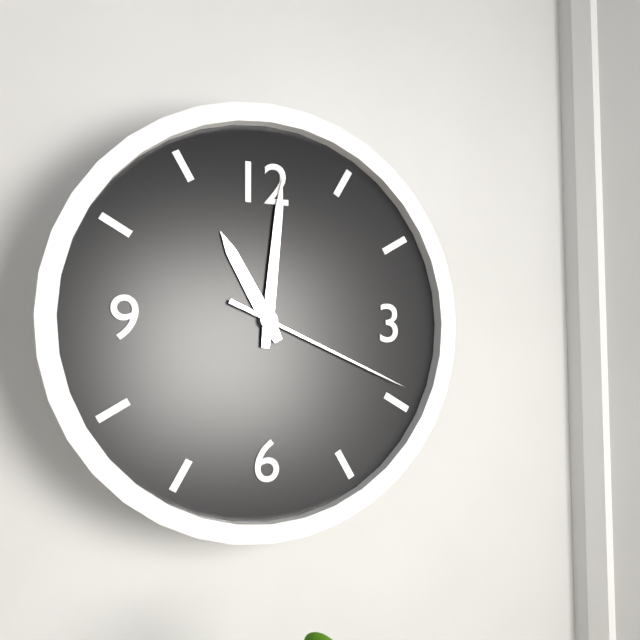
{"hour": 11, "minute": 1, "second": 19}
